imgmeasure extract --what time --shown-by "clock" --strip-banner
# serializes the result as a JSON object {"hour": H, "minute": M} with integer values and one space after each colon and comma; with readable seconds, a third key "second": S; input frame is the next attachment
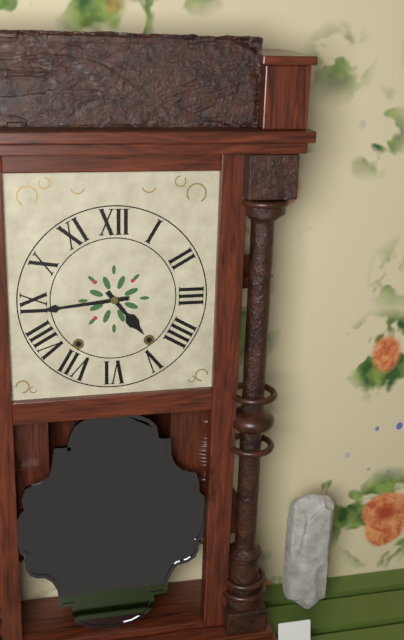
{"hour": 4, "minute": 44}
